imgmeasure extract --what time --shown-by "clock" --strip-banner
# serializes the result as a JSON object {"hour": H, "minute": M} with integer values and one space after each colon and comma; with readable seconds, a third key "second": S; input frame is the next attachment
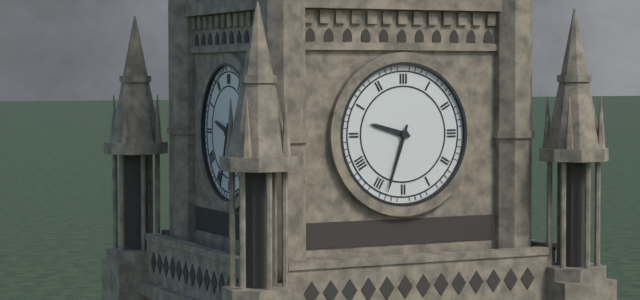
{"hour": 9, "minute": 33}
